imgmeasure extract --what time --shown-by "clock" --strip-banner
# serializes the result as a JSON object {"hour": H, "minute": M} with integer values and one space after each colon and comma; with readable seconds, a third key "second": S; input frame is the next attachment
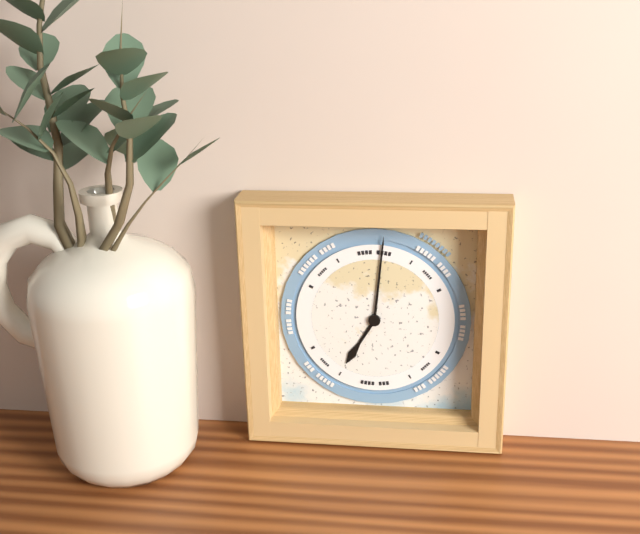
{"hour": 7, "minute": 1}
